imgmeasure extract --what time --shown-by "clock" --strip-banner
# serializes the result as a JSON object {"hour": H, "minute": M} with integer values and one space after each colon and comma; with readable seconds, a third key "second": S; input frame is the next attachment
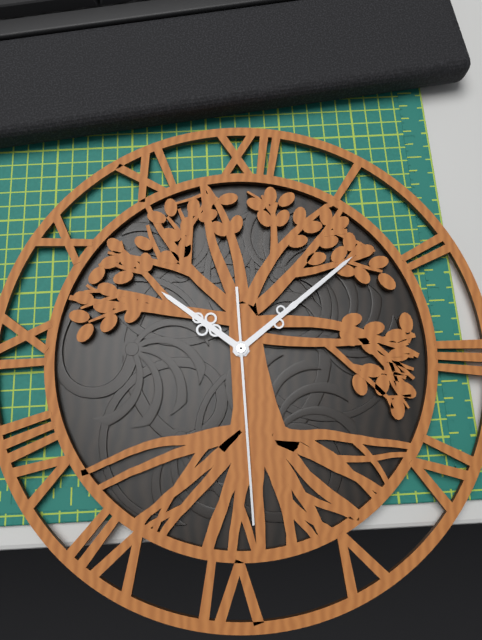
{"hour": 10, "minute": 8, "second": 29}
